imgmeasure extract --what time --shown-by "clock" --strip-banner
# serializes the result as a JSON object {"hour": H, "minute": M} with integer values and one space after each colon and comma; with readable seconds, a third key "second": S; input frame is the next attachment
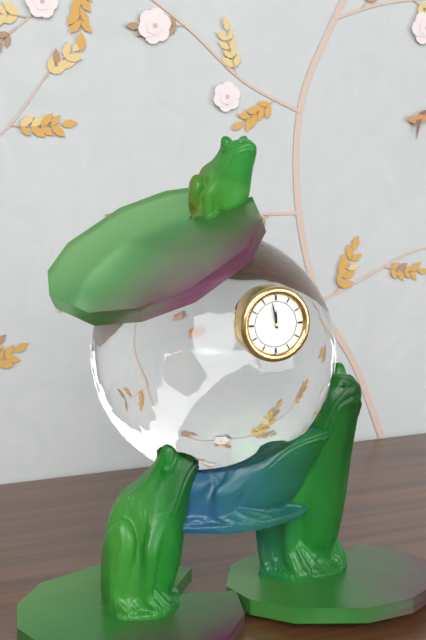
{"hour": 11, "minute": 58}
